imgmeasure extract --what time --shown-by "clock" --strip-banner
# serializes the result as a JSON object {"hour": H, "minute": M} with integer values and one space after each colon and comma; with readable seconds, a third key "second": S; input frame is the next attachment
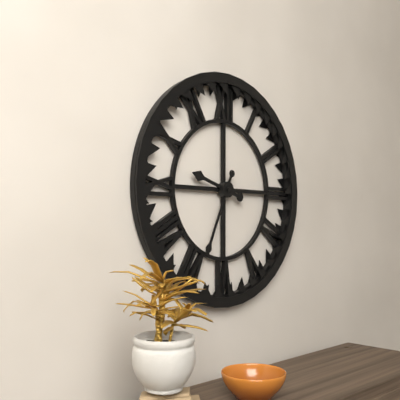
{"hour": 9, "minute": 34}
